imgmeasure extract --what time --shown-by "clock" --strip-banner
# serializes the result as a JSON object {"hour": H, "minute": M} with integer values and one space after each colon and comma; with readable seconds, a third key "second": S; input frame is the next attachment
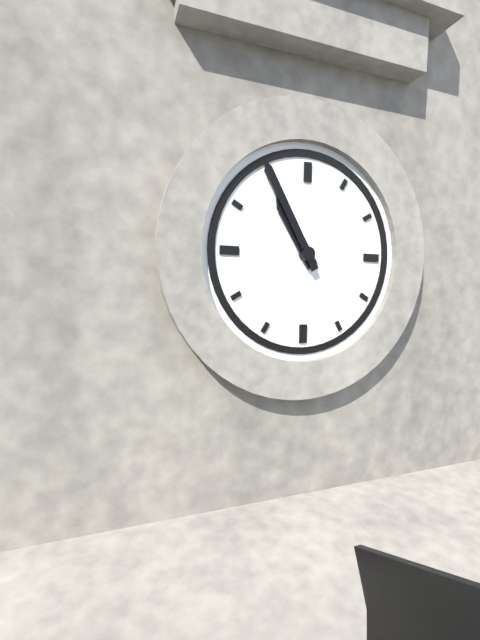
{"hour": 10, "minute": 55}
